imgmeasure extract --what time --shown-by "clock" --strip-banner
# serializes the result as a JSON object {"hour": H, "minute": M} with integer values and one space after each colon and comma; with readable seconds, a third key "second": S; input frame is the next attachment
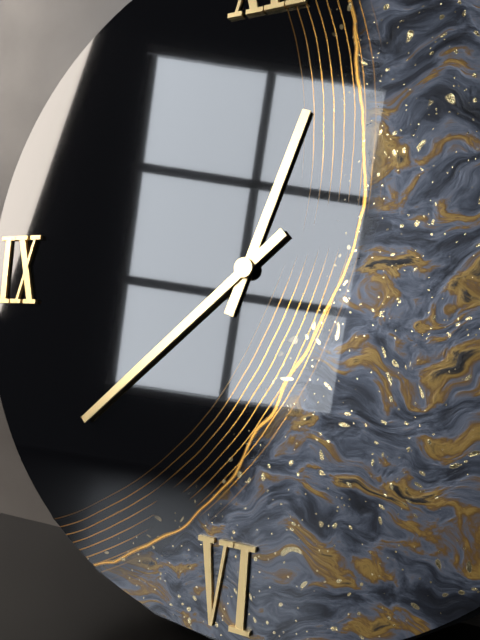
{"hour": 12, "minute": 38}
